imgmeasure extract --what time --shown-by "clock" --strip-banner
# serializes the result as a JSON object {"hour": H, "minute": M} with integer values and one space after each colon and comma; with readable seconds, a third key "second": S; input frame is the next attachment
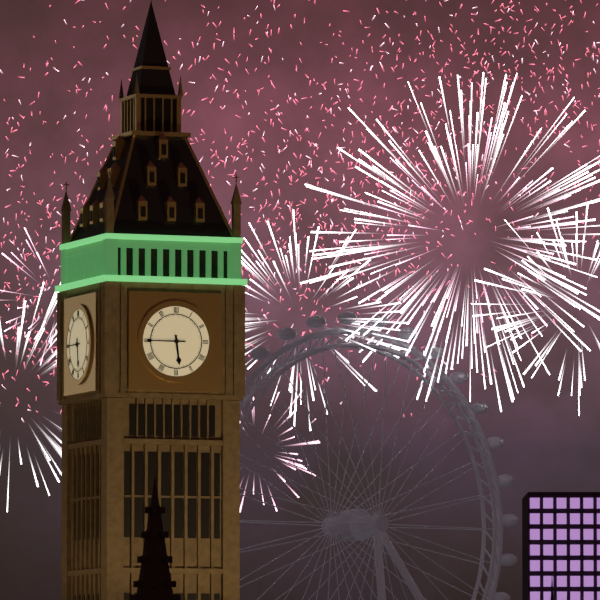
{"hour": 5, "minute": 45}
